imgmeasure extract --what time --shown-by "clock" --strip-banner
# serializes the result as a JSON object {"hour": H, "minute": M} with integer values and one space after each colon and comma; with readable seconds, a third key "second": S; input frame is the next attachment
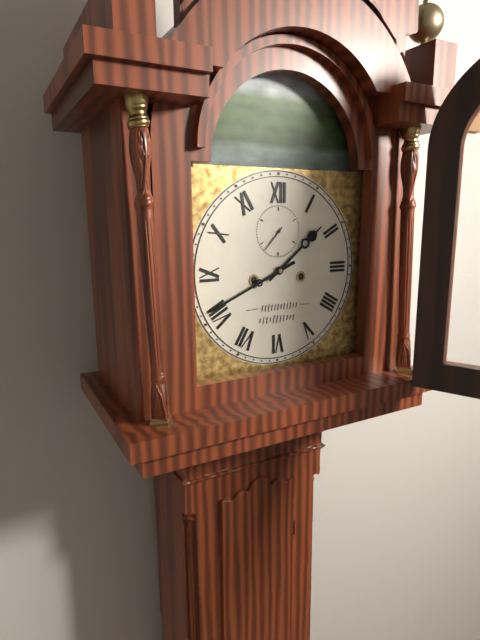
{"hour": 1, "minute": 41}
